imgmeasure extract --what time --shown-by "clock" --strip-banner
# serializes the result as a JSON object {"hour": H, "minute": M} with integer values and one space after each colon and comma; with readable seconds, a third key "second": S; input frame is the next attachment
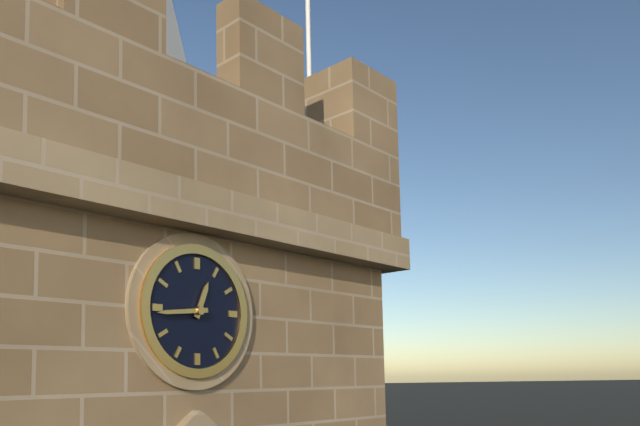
{"hour": 12, "minute": 44}
